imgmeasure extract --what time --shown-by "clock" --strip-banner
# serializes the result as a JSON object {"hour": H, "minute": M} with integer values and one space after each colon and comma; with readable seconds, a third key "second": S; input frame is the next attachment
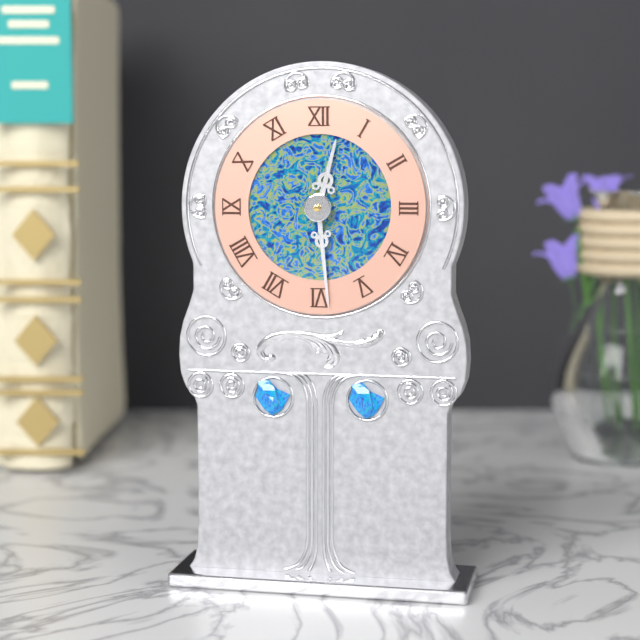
{"hour": 12, "minute": 29}
